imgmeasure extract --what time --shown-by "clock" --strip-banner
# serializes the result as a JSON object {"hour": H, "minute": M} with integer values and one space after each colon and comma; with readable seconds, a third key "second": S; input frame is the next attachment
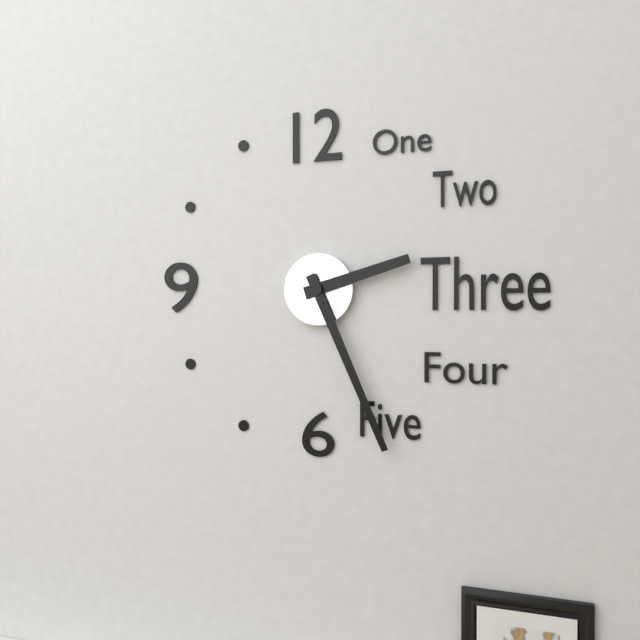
{"hour": 2, "minute": 26}
